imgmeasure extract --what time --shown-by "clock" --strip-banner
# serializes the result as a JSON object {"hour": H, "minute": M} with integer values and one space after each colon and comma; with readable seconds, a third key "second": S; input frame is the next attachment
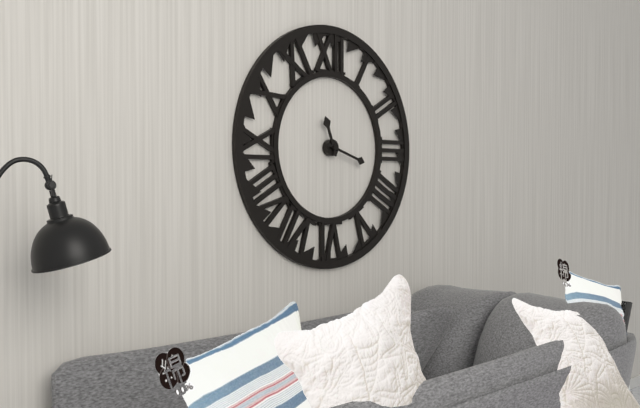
{"hour": 11, "minute": 18}
